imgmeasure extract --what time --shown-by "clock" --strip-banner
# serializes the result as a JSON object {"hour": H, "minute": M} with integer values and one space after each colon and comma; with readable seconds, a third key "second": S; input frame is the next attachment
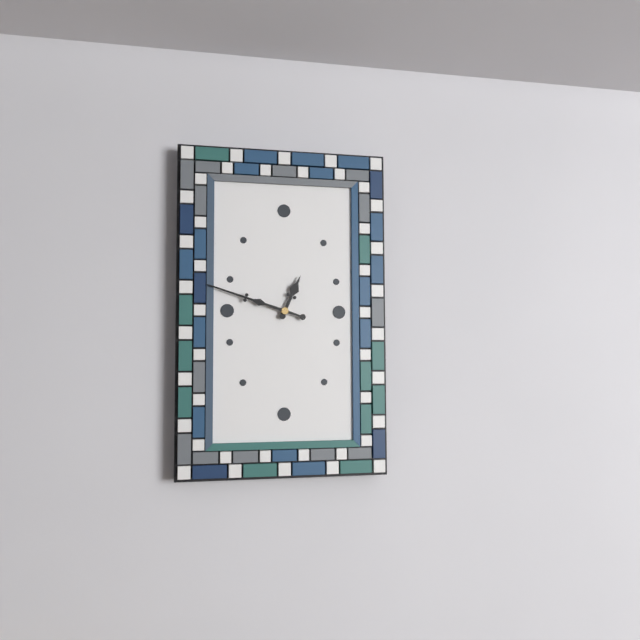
{"hour": 12, "minute": 48}
